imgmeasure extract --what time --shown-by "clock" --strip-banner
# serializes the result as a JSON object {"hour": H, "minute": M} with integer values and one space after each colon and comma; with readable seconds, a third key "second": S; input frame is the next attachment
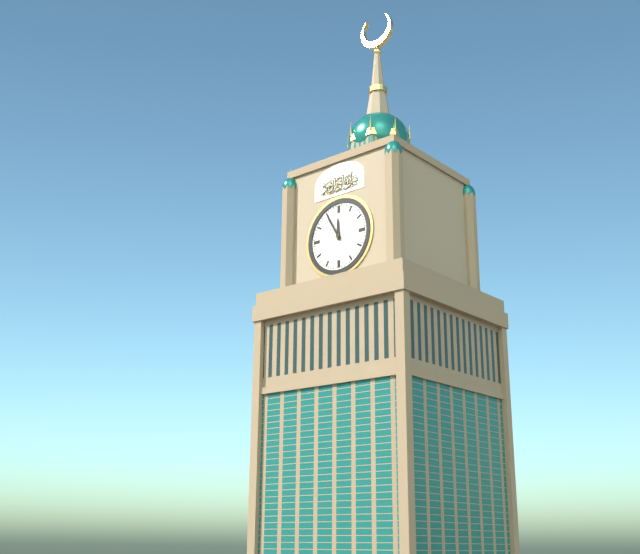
{"hour": 11, "minute": 55}
